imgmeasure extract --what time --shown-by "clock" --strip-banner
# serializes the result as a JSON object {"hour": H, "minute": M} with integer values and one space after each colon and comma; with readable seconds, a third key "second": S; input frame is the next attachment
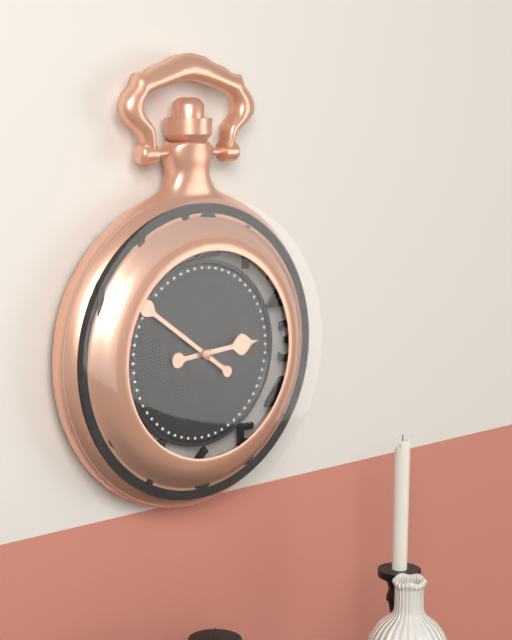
{"hour": 2, "minute": 51}
